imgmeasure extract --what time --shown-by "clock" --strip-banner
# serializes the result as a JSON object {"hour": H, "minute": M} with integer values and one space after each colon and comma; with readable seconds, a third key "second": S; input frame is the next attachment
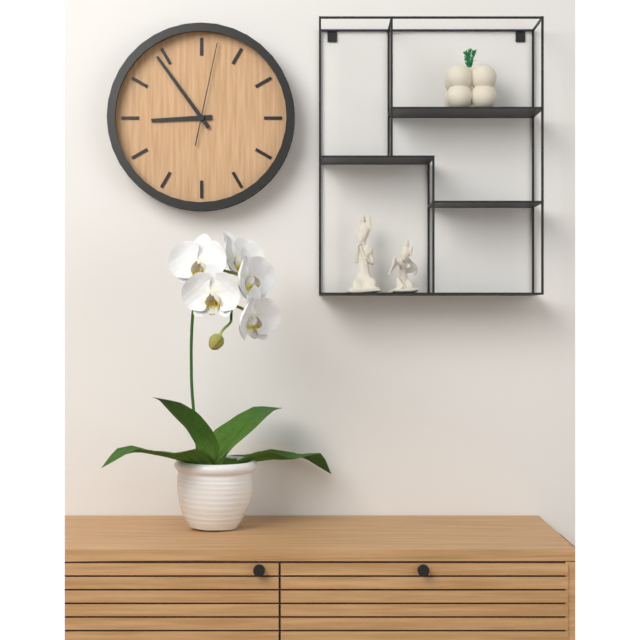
{"hour": 8, "minute": 54, "second": 2}
